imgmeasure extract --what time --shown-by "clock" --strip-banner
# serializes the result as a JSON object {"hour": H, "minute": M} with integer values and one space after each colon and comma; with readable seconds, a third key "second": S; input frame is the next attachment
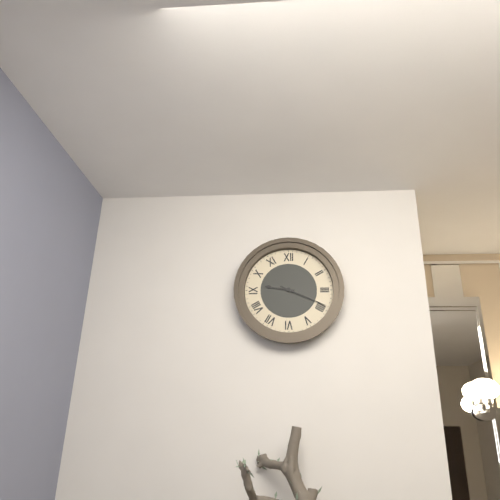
{"hour": 9, "minute": 19}
